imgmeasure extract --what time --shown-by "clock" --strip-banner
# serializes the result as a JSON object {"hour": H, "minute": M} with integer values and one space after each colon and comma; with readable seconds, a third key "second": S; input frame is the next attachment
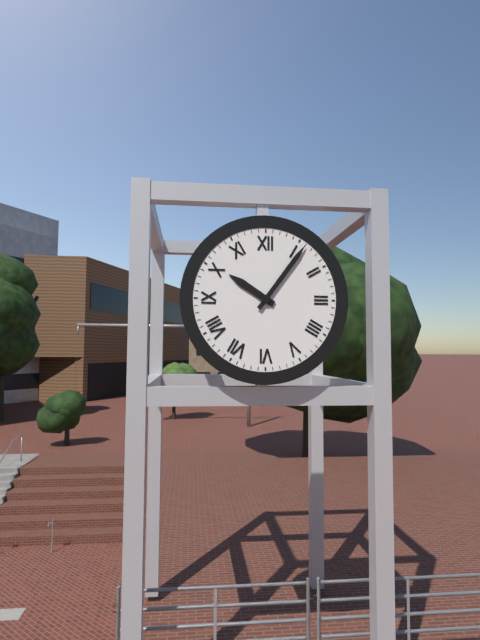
{"hour": 10, "minute": 6}
